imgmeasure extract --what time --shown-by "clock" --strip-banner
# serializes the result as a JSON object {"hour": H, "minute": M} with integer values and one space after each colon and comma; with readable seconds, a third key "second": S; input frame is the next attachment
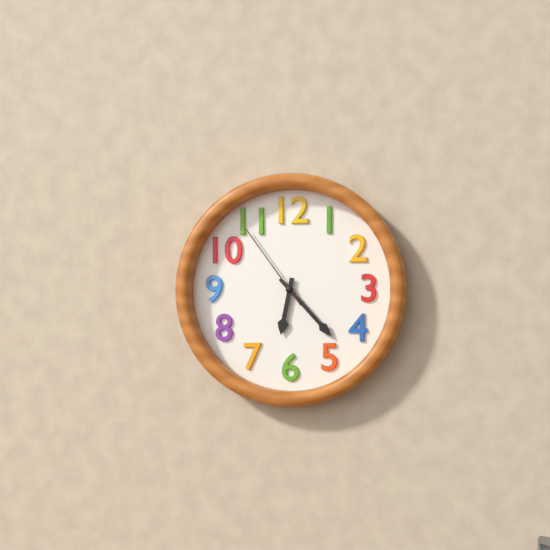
{"hour": 6, "minute": 23, "second": 54}
